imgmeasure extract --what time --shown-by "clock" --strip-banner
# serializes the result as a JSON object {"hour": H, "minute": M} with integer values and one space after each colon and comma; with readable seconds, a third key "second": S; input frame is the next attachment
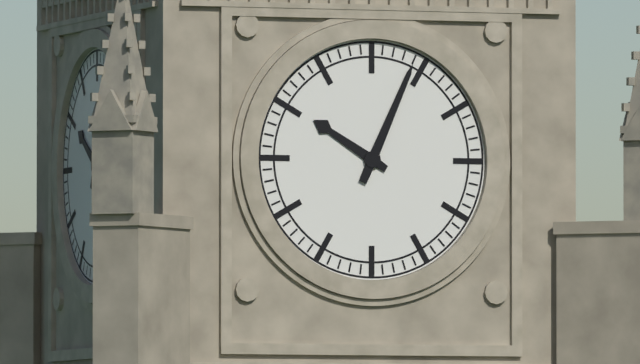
{"hour": 10, "minute": 4}
